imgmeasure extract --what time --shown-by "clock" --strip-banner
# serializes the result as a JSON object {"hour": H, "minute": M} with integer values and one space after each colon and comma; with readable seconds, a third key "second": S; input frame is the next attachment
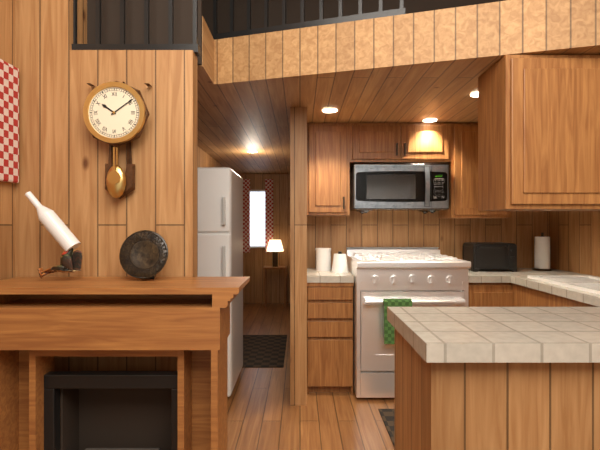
{"hour": 10, "minute": 9}
